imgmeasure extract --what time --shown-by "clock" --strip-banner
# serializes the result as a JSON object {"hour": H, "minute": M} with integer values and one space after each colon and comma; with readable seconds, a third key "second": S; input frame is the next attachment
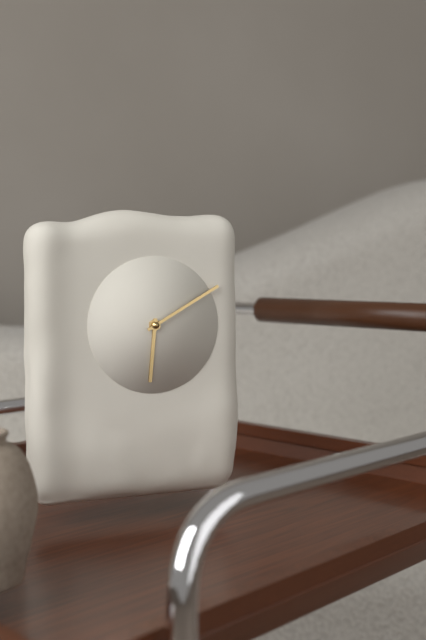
{"hour": 6, "minute": 10}
